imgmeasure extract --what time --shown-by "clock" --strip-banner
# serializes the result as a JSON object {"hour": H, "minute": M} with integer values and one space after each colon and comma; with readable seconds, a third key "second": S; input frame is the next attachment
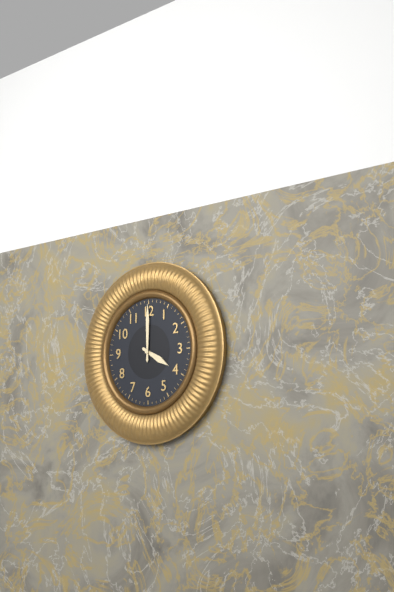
{"hour": 4, "minute": 0}
